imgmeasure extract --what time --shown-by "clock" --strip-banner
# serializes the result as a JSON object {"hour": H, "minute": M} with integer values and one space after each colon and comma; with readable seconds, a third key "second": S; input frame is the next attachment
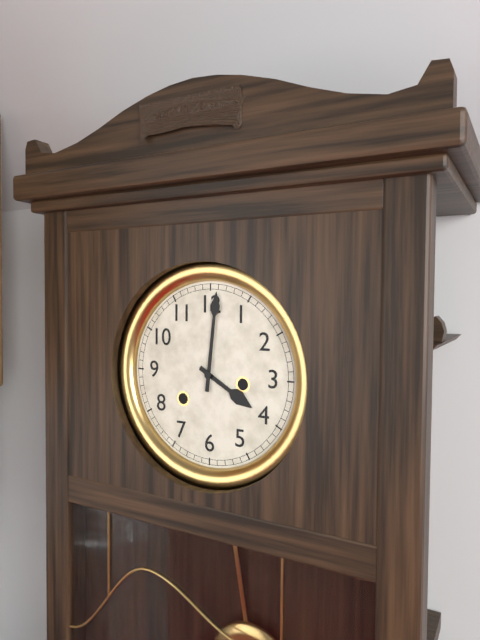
{"hour": 4, "minute": 1}
